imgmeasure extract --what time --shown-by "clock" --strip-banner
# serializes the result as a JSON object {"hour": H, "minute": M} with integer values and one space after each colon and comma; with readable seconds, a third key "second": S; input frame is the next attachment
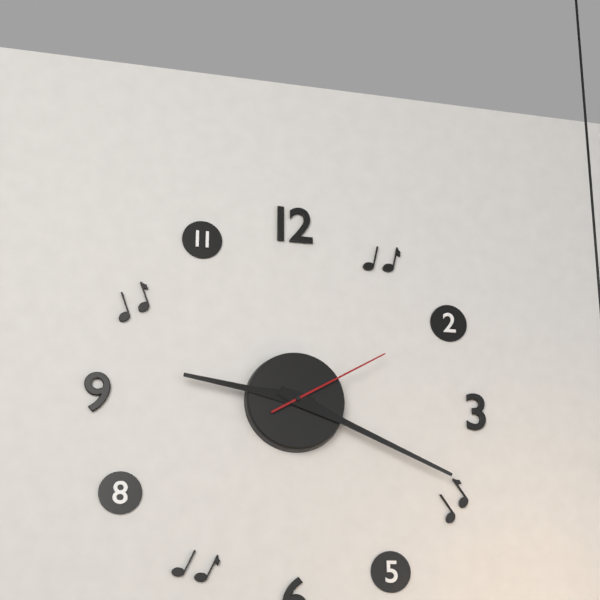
{"hour": 9, "minute": 19, "second": 10}
